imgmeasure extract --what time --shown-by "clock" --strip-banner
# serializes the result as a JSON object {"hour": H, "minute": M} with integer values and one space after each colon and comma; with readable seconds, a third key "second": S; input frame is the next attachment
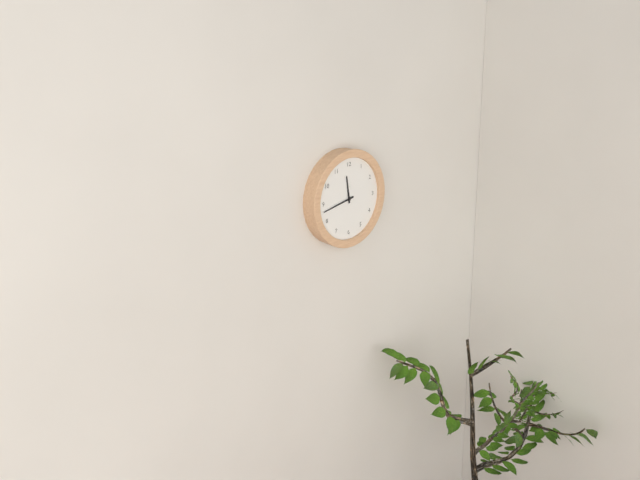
{"hour": 11, "minute": 43}
